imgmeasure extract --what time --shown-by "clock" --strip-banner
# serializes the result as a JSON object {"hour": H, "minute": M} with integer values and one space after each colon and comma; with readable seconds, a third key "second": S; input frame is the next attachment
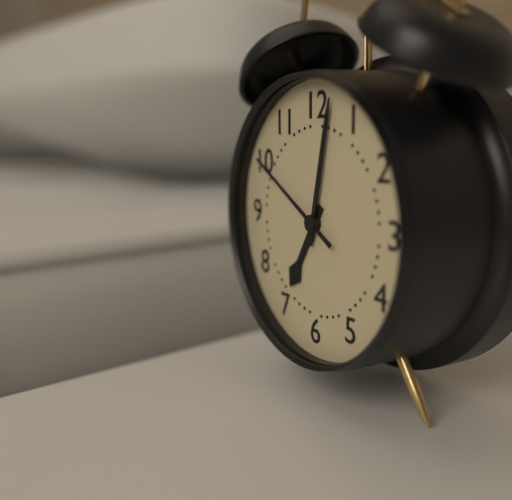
{"hour": 7, "minute": 2, "second": 50}
